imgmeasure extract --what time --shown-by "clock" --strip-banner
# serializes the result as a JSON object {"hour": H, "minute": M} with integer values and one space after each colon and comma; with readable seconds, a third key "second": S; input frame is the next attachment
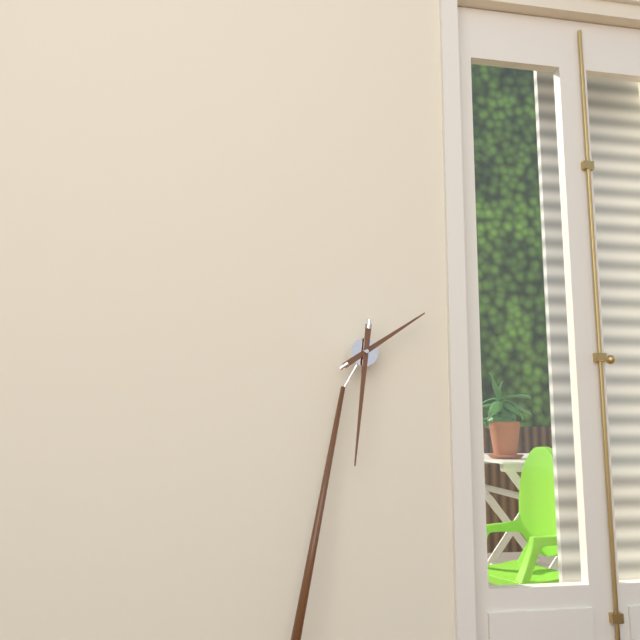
{"hour": 1, "minute": 29}
